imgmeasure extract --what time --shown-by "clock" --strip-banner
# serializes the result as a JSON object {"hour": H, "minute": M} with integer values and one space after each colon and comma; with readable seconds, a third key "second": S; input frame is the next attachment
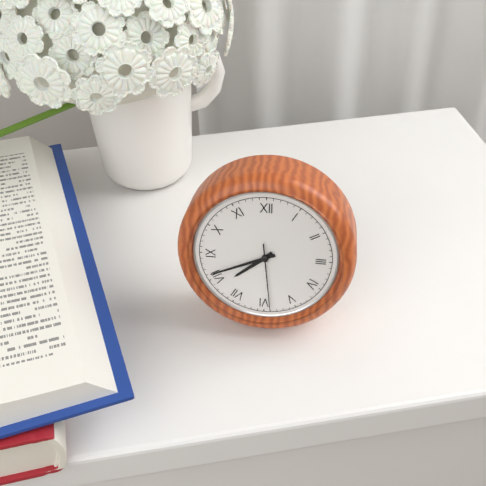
{"hour": 7, "minute": 41, "second": 29}
